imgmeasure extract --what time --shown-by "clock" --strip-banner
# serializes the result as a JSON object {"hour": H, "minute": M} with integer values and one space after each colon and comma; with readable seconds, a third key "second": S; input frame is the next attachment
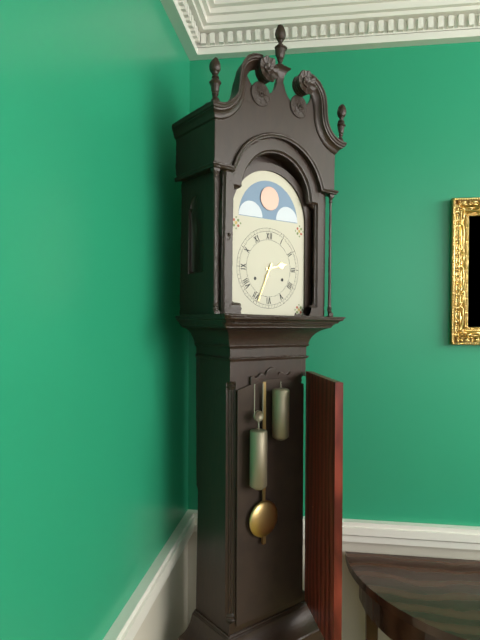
{"hour": 2, "minute": 34}
